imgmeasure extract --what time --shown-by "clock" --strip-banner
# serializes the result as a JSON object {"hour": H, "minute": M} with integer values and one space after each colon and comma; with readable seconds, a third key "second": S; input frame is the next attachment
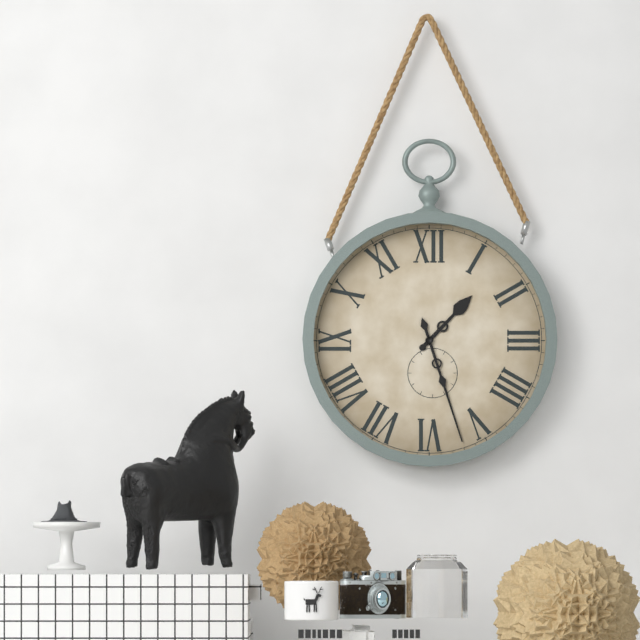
{"hour": 1, "minute": 27}
